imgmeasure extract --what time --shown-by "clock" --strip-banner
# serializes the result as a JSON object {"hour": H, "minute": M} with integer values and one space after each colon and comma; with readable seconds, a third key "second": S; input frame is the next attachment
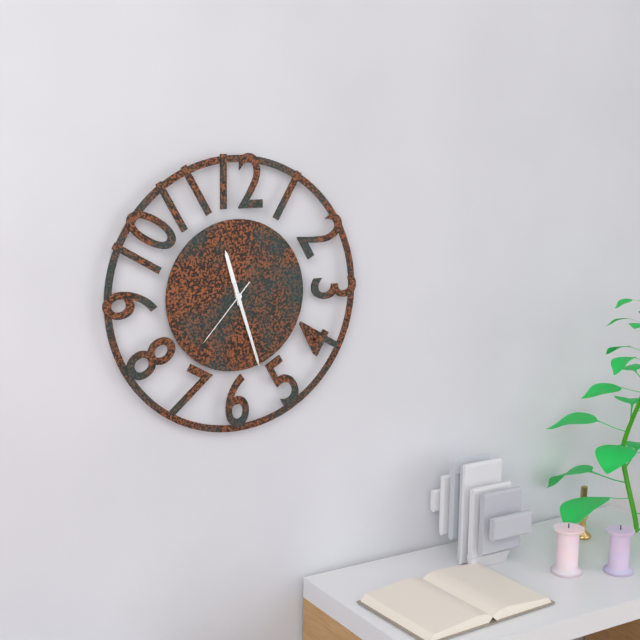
{"hour": 11, "minute": 27, "second": 37}
